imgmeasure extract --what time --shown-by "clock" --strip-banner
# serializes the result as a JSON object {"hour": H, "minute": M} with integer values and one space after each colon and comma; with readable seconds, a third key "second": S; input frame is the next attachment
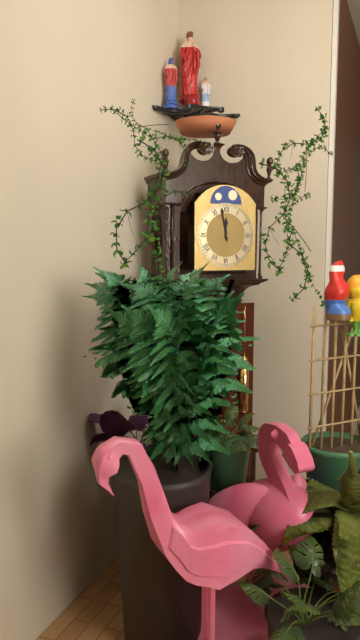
{"hour": 11, "minute": 58}
